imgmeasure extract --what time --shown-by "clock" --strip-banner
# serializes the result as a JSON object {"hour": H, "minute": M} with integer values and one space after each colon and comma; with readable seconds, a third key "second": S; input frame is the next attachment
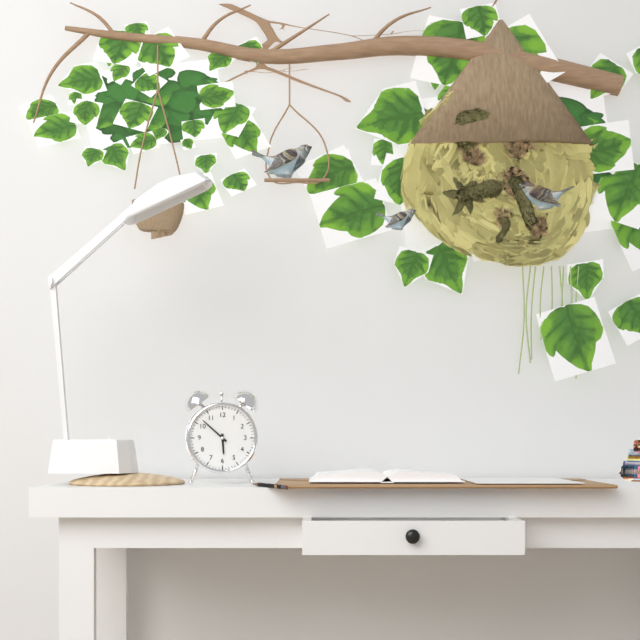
{"hour": 5, "minute": 52}
